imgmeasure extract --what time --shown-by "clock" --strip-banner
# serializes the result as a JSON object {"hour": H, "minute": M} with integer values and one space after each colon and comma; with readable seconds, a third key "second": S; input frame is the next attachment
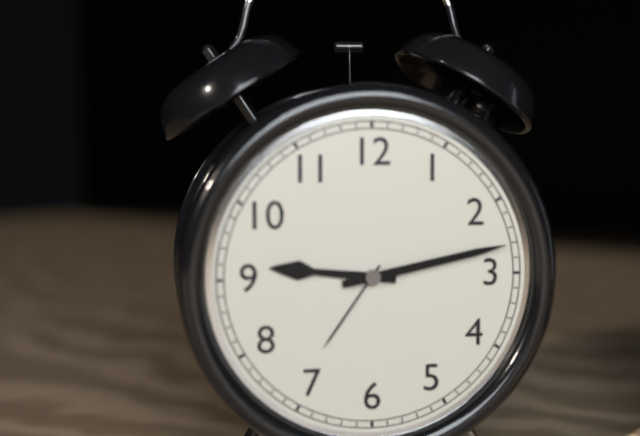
{"hour": 9, "minute": 13}
